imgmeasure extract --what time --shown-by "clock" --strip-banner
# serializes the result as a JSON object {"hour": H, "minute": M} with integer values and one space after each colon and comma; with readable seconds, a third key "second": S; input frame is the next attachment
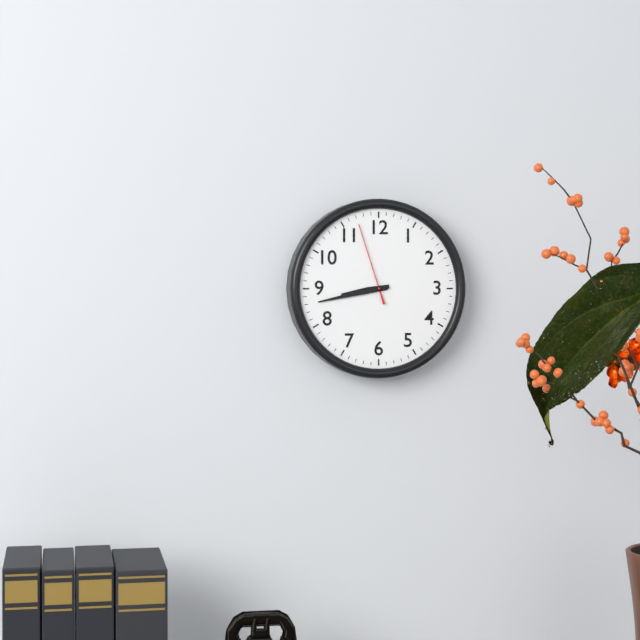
{"hour": 8, "minute": 43, "second": 57}
